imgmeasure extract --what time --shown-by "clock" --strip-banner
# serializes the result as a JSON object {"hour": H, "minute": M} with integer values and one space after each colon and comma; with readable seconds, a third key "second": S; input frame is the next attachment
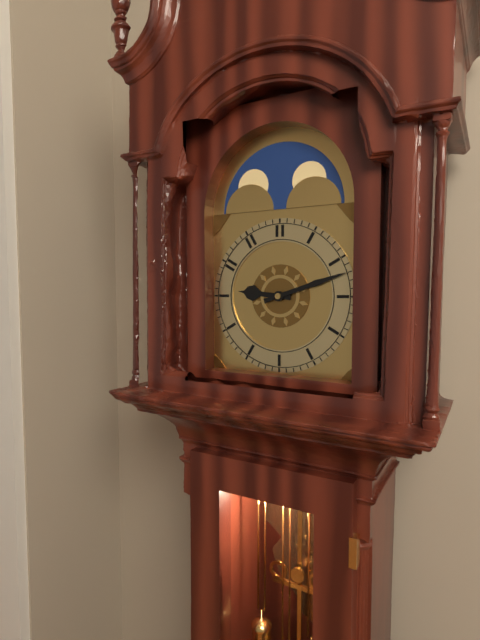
{"hour": 9, "minute": 12}
